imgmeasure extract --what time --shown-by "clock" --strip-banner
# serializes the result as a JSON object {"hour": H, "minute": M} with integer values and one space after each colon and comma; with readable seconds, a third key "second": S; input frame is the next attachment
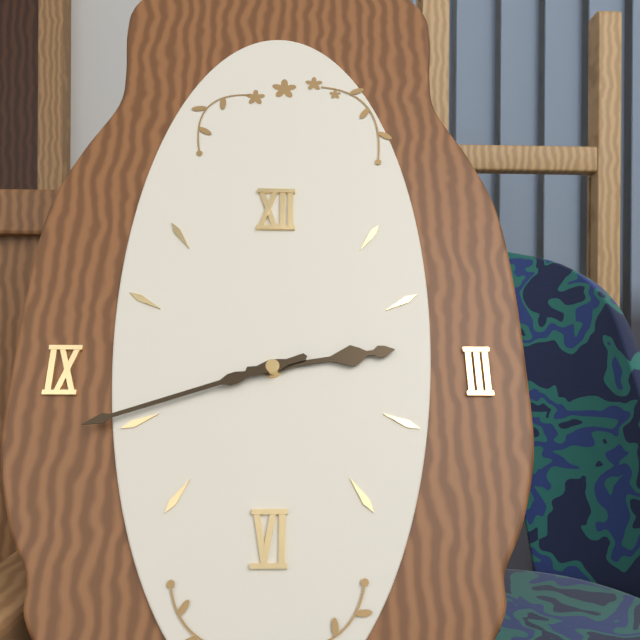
{"hour": 2, "minute": 42}
